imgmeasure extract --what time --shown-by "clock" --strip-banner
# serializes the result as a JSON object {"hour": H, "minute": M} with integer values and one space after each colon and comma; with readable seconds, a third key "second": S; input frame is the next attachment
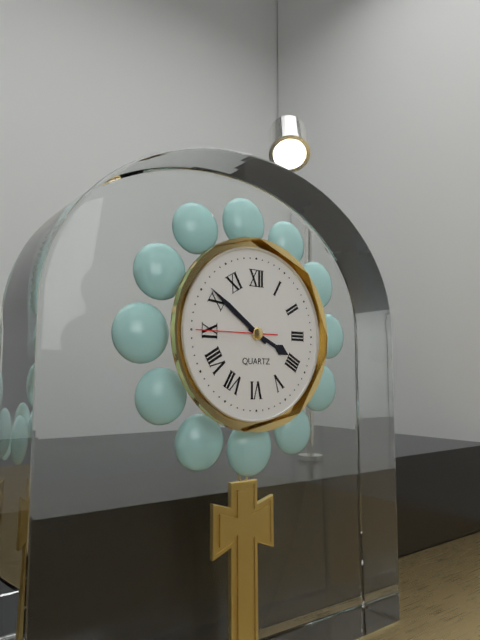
{"hour": 3, "minute": 51, "second": 45}
